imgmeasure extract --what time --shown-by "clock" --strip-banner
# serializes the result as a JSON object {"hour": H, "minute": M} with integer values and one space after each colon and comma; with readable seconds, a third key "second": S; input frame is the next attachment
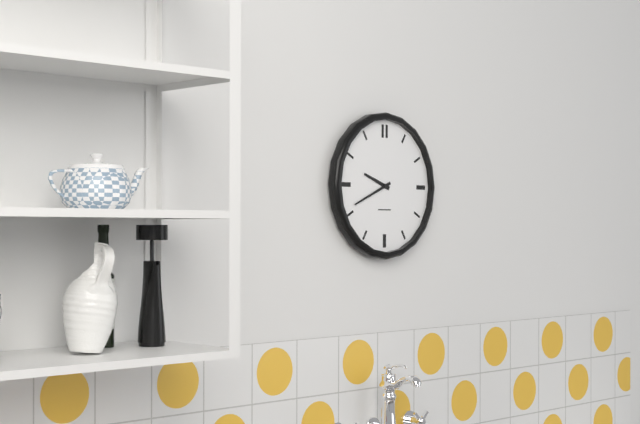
{"hour": 9, "minute": 41}
